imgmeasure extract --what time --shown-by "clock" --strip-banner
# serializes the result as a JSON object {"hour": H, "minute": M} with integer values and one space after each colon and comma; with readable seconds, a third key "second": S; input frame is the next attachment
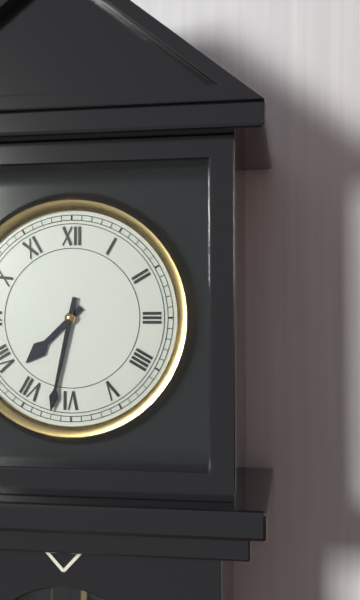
{"hour": 7, "minute": 32}
